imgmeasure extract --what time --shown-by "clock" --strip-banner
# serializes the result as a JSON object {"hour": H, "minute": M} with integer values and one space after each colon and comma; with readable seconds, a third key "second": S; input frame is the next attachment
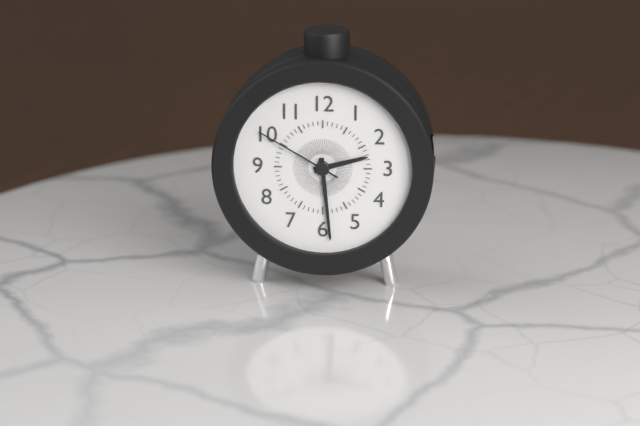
{"hour": 2, "minute": 29, "second": 50}
